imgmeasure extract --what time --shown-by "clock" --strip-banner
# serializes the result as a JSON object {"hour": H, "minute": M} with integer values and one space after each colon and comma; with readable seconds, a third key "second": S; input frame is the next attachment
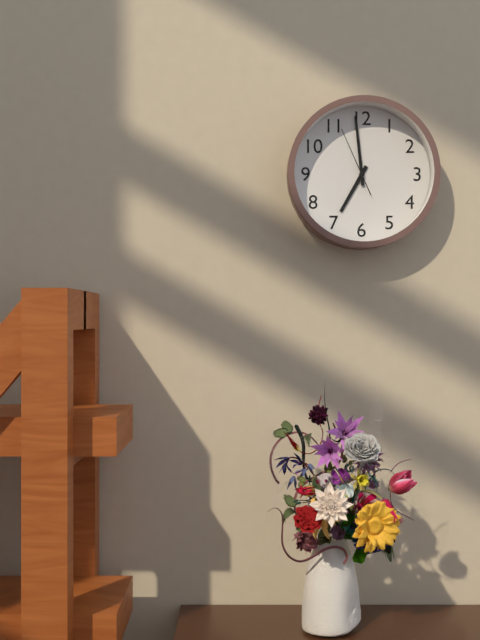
{"hour": 6, "minute": 59, "second": 56}
